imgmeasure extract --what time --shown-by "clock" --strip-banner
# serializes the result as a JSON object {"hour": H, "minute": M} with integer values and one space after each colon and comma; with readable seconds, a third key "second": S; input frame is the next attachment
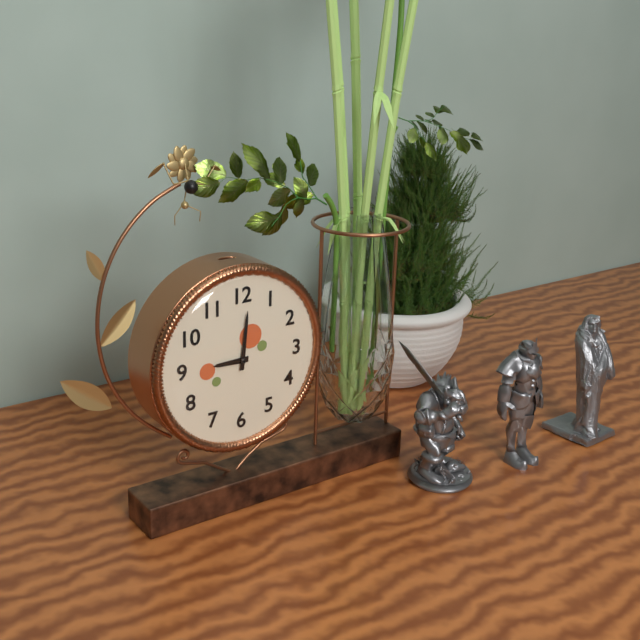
{"hour": 9, "minute": 1}
